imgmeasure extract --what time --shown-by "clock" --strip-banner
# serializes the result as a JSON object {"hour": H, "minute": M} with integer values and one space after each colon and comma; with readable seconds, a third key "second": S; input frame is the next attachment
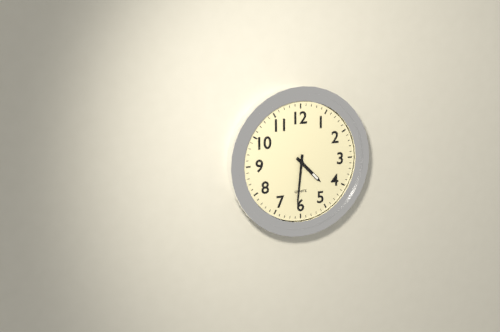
{"hour": 4, "minute": 31}
